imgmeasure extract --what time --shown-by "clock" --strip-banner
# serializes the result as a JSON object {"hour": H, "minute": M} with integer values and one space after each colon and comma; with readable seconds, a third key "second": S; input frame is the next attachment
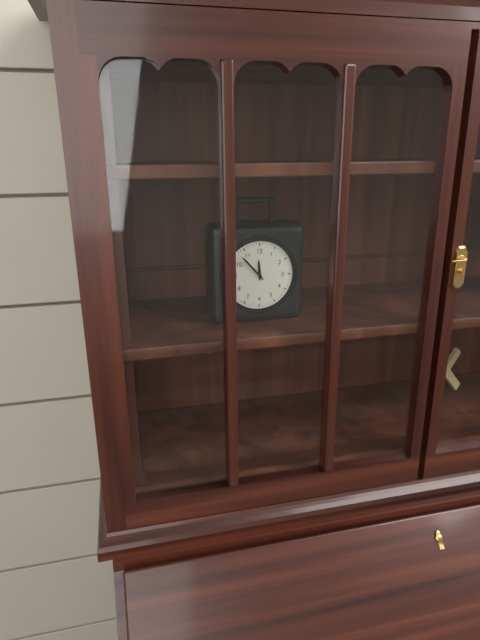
{"hour": 11, "minute": 53}
